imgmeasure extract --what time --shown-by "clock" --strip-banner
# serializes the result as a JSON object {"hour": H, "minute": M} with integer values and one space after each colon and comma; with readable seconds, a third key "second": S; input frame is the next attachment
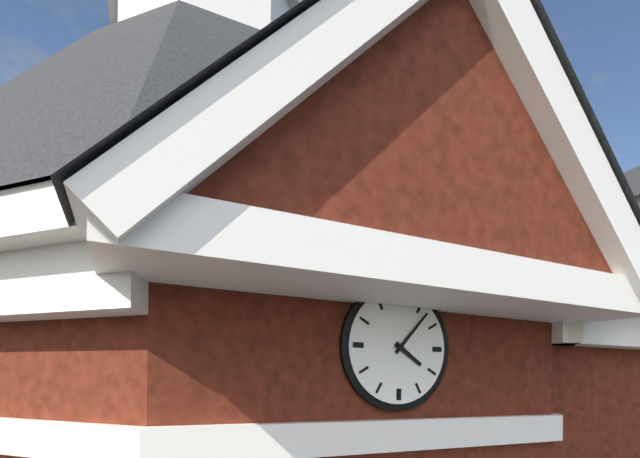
{"hour": 4, "minute": 7}
